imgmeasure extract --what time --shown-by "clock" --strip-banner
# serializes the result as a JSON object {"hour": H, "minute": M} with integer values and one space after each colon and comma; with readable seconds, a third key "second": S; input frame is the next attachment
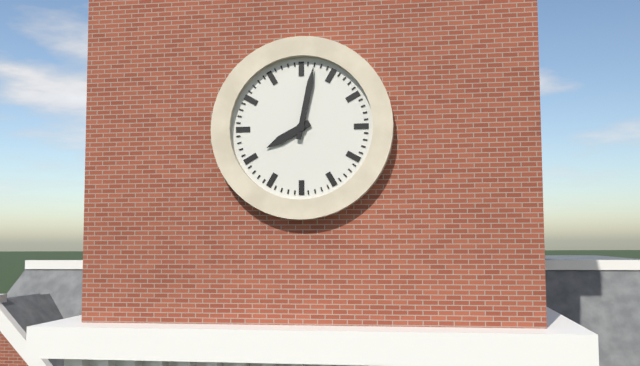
{"hour": 8, "minute": 2}
